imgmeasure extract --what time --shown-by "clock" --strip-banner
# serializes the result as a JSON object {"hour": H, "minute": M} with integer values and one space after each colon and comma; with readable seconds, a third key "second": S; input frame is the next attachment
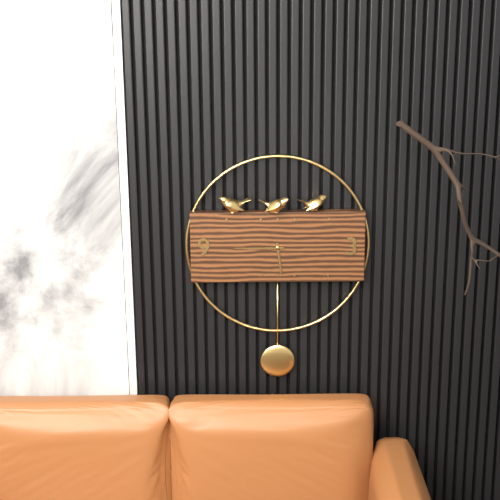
{"hour": 5, "minute": 45}
